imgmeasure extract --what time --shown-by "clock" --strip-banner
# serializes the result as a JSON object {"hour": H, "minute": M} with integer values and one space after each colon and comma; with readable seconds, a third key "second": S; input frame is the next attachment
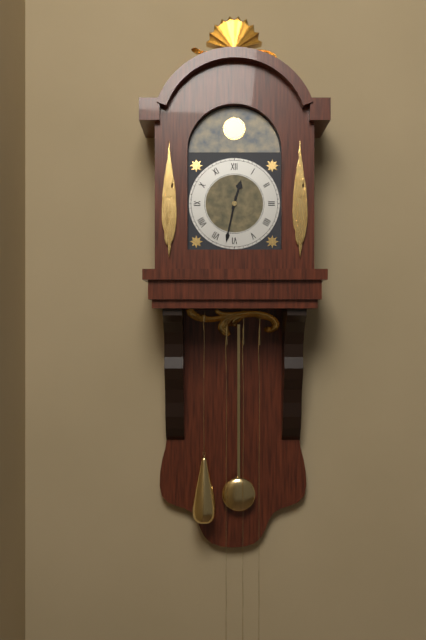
{"hour": 12, "minute": 32}
